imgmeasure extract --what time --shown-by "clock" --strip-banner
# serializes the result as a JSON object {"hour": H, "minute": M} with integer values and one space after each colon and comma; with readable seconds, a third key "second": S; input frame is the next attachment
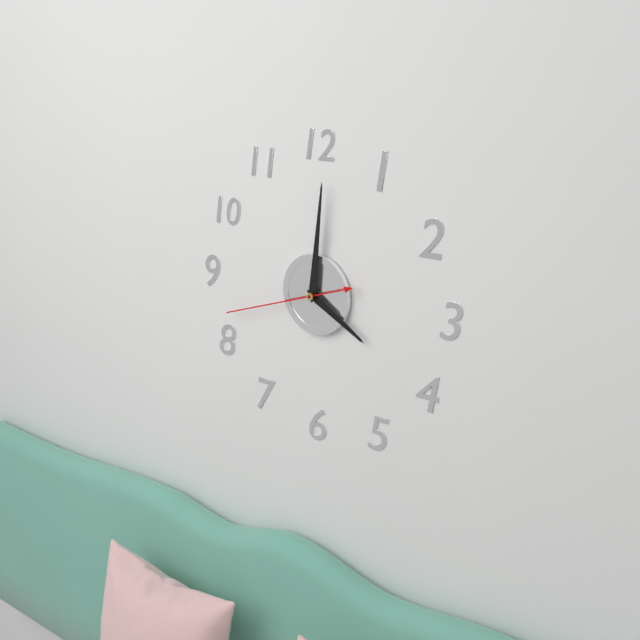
{"hour": 4, "minute": 1, "second": 42}
